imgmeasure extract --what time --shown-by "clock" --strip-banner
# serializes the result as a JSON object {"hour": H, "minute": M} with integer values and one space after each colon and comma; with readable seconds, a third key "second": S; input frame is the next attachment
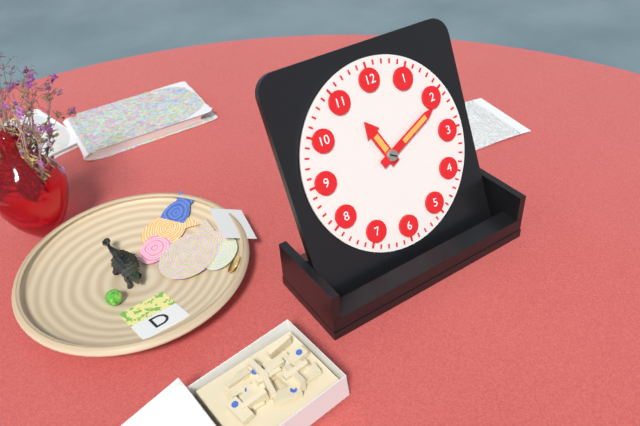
{"hour": 11, "minute": 11}
